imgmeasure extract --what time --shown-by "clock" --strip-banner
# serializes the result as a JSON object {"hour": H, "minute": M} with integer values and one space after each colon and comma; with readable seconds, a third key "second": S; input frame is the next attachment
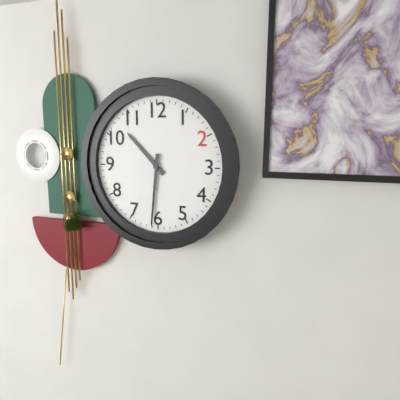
{"hour": 10, "minute": 31}
